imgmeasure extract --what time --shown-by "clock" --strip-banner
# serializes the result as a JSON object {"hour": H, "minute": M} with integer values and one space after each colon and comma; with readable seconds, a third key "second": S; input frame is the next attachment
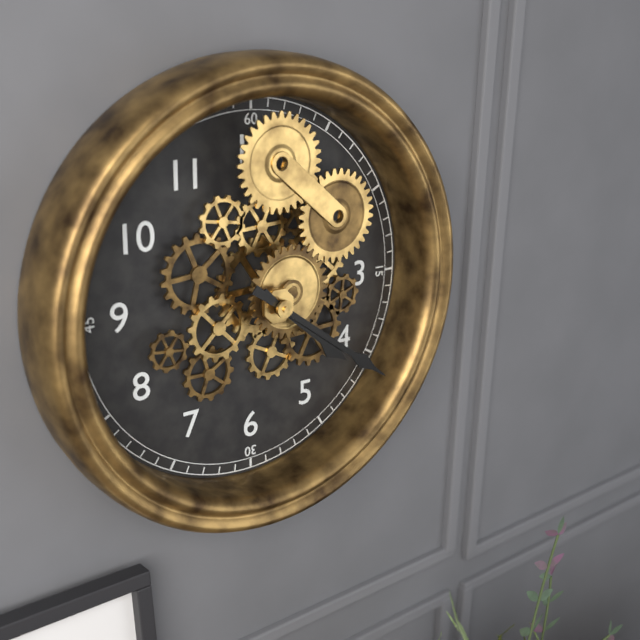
{"hour": 4, "minute": 21}
